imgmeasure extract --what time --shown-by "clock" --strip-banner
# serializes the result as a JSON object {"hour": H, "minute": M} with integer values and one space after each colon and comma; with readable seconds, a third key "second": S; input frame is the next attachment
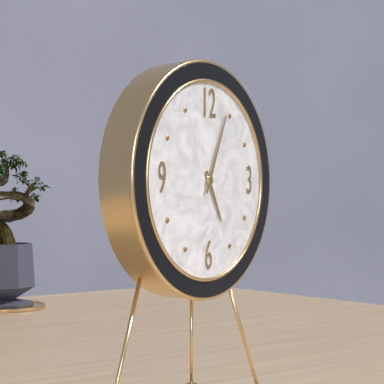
{"hour": 5, "minute": 4}
